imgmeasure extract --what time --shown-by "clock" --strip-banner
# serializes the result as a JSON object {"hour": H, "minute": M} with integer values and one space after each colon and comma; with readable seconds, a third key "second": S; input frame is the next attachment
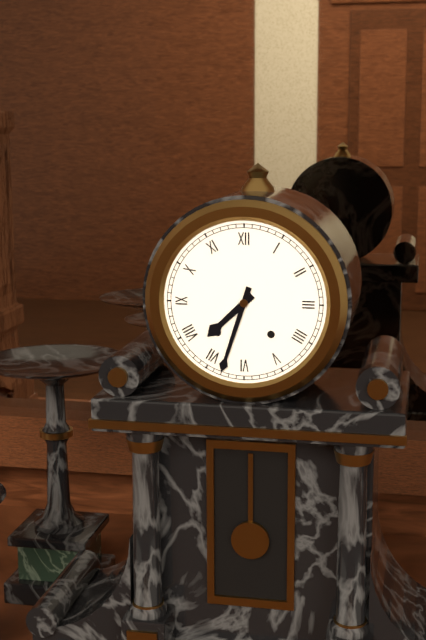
{"hour": 7, "minute": 33}
